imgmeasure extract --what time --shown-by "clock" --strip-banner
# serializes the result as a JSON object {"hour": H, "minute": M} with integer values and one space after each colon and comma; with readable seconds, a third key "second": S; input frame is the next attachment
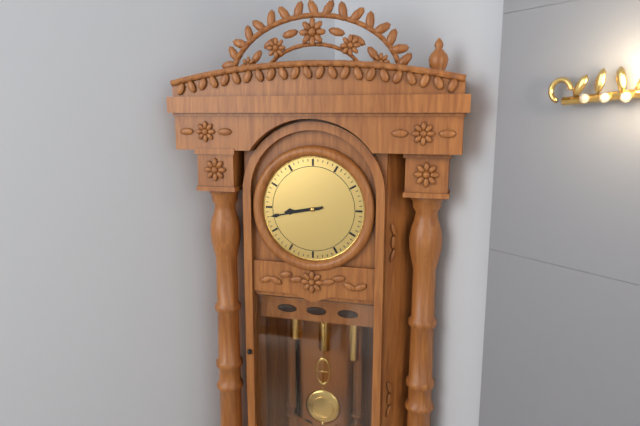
{"hour": 8, "minute": 43}
